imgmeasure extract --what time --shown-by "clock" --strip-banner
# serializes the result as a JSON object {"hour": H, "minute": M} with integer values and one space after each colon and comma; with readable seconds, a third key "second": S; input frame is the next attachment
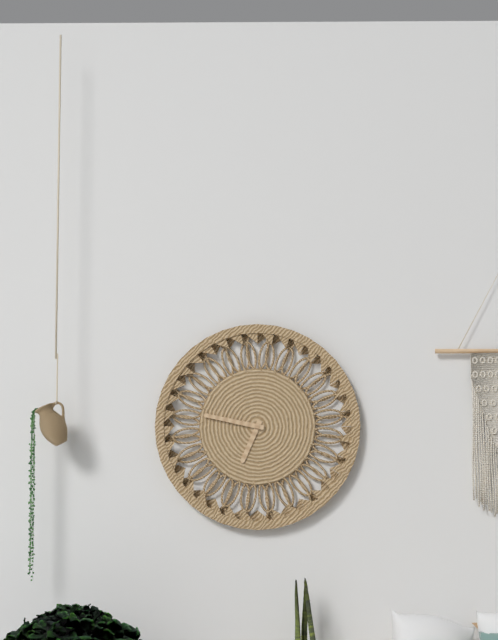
{"hour": 6, "minute": 47}
